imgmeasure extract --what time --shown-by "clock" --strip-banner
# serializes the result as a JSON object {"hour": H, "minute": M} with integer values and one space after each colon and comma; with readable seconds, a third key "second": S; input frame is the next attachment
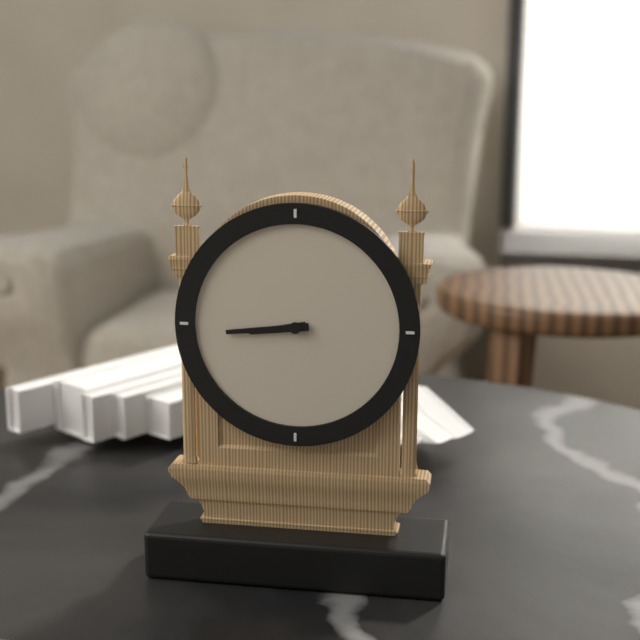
{"hour": 8, "minute": 44}
